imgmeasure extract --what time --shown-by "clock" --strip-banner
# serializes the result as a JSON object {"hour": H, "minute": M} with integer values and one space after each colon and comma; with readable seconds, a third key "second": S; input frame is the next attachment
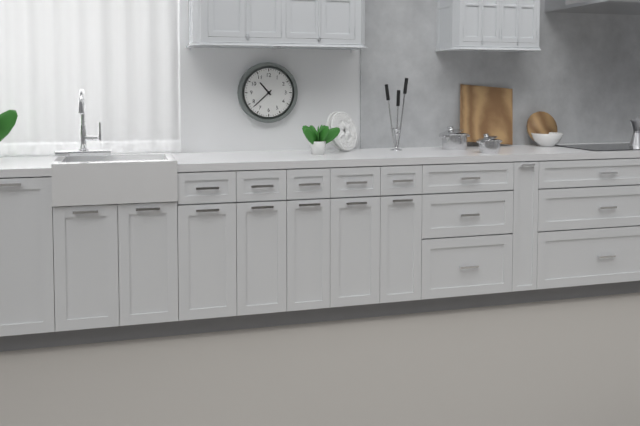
{"hour": 10, "minute": 38}
